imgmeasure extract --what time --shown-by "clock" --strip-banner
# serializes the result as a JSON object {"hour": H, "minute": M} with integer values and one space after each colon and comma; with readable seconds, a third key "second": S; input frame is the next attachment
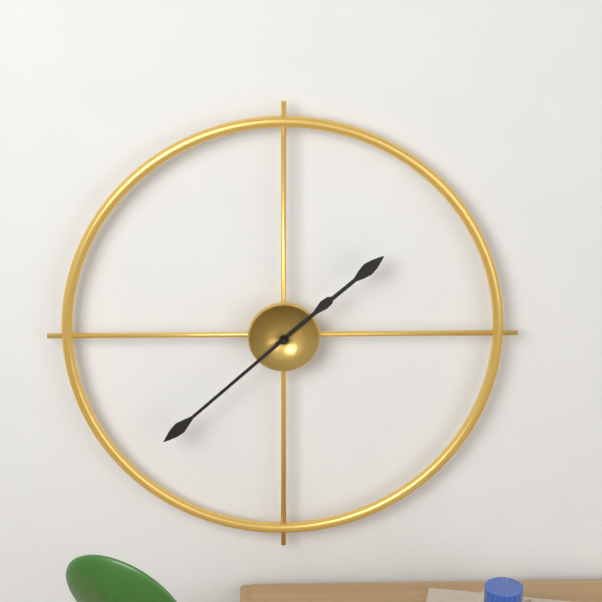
{"hour": 1, "minute": 38}
